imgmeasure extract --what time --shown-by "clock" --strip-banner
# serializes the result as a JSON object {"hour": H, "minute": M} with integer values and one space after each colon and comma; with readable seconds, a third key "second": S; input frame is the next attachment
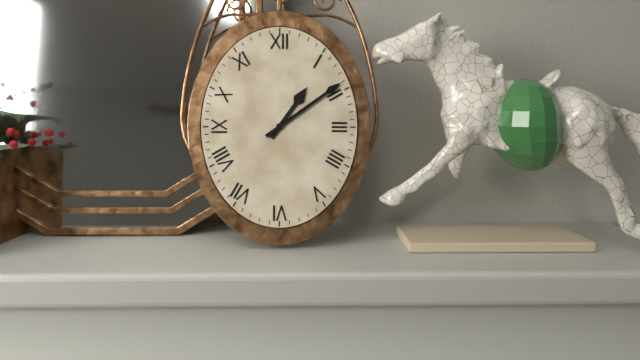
{"hour": 1, "minute": 9}
